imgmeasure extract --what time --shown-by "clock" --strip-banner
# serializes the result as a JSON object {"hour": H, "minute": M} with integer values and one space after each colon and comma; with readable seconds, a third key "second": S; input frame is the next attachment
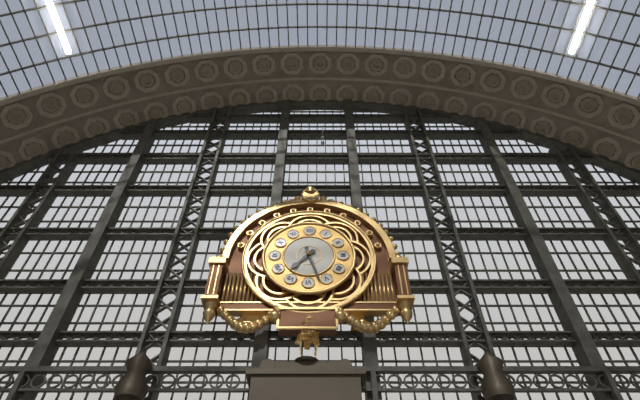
{"hour": 7, "minute": 27}
